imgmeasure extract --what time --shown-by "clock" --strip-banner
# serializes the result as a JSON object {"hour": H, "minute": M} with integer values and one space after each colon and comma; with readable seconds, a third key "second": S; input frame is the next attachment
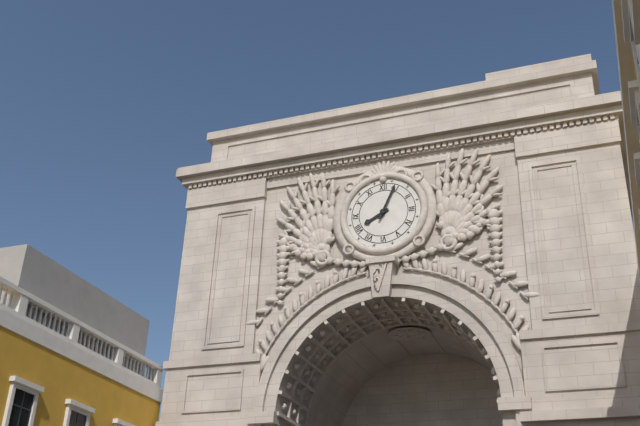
{"hour": 8, "minute": 4}
